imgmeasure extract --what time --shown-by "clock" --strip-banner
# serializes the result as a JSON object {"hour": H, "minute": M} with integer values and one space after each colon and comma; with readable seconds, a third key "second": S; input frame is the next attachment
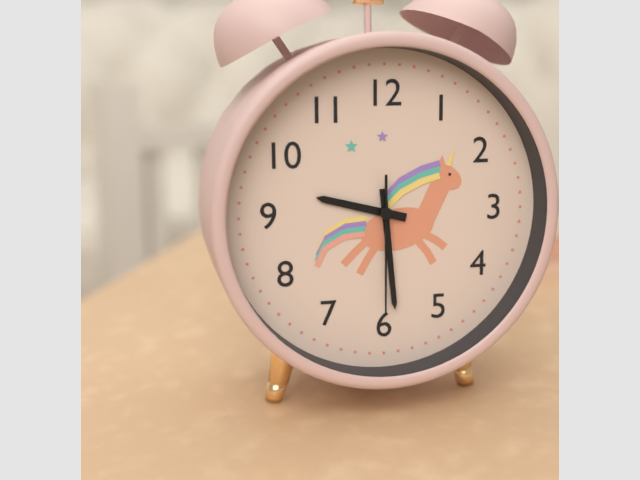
{"hour": 9, "minute": 29, "second": 30}
